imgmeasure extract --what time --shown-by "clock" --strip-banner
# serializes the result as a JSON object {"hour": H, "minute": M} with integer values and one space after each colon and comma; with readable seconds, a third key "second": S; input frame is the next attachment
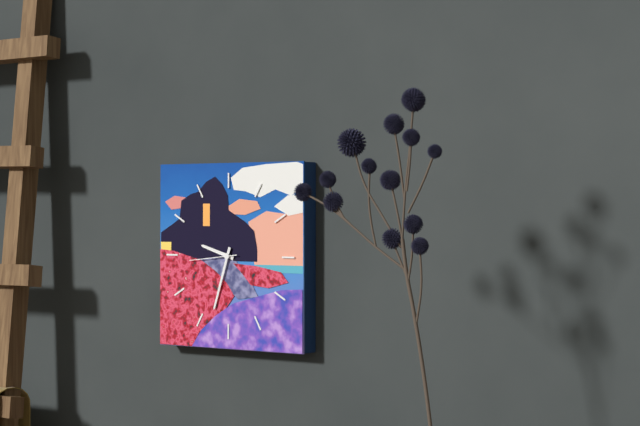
{"hour": 9, "minute": 33, "second": 44}
